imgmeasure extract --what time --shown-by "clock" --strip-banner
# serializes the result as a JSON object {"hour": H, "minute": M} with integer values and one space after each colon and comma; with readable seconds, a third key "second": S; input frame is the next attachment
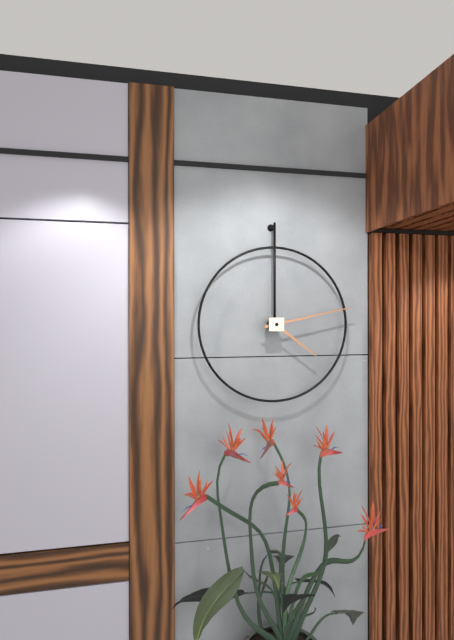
{"hour": 4, "minute": 13}
